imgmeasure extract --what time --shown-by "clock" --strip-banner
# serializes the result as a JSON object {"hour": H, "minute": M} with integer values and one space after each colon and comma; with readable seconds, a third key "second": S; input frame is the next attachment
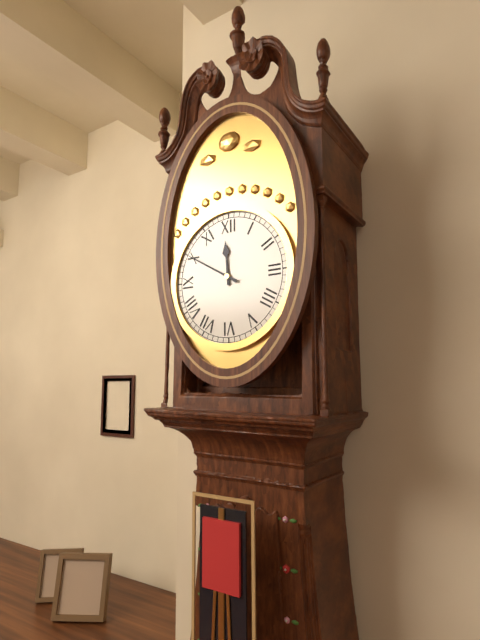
{"hour": 11, "minute": 50}
